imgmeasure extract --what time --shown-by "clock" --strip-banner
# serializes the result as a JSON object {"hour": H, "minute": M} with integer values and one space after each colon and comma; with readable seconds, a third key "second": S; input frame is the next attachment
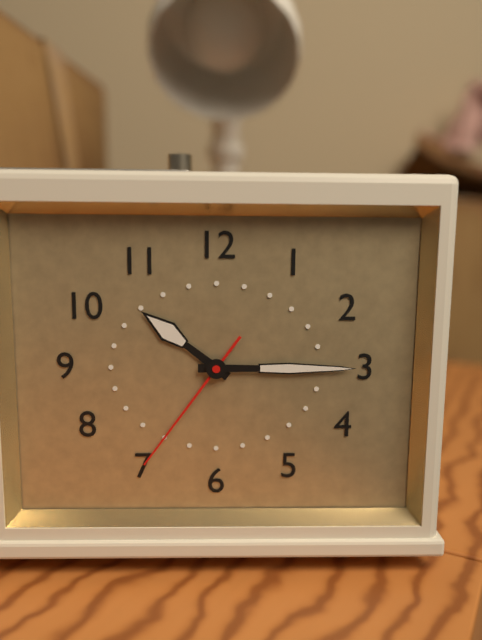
{"hour": 10, "minute": 15, "second": 36}
